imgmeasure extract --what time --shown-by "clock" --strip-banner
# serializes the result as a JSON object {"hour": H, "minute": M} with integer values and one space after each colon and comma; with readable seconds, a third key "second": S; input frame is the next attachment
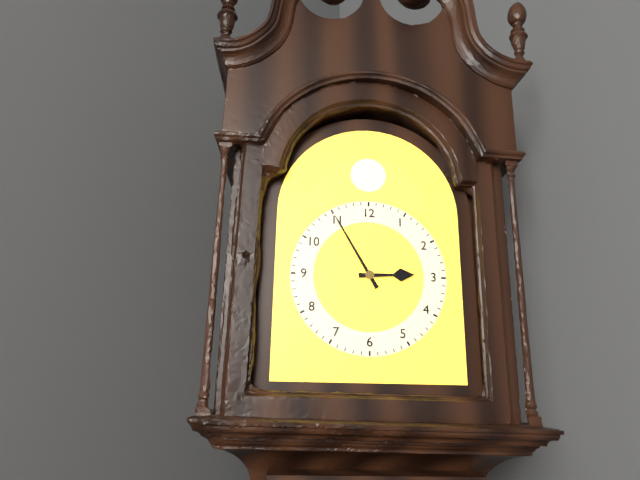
{"hour": 2, "minute": 55}
